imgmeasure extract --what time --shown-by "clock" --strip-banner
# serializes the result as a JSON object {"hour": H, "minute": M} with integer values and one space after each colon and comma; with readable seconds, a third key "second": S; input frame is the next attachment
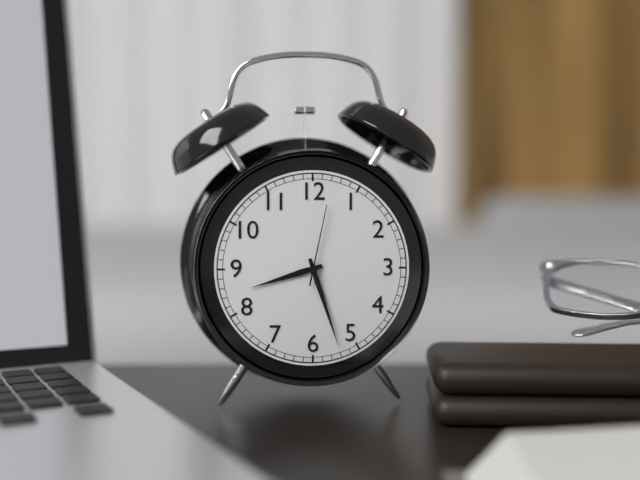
{"hour": 8, "minute": 27, "second": 2}
